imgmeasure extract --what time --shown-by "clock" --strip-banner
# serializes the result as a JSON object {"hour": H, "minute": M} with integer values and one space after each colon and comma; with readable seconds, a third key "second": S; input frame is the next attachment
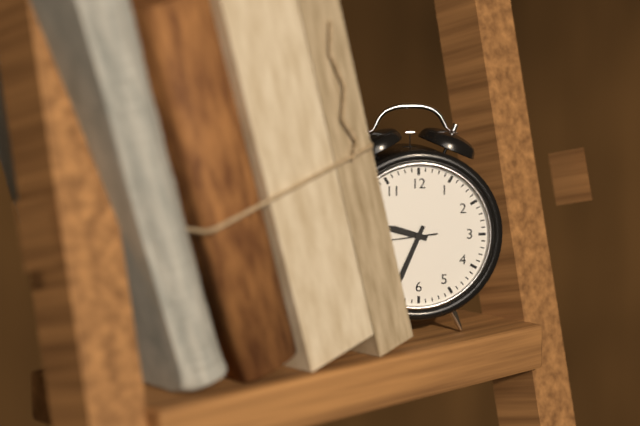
{"hour": 9, "minute": 34}
